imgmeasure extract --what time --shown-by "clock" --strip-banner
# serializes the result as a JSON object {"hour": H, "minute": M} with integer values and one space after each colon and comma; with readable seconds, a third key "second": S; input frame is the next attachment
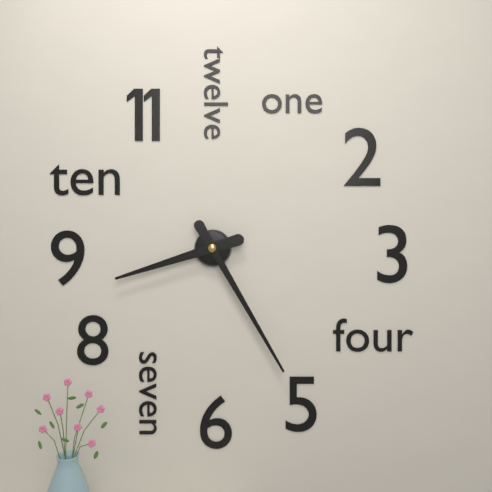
{"hour": 8, "minute": 25}
